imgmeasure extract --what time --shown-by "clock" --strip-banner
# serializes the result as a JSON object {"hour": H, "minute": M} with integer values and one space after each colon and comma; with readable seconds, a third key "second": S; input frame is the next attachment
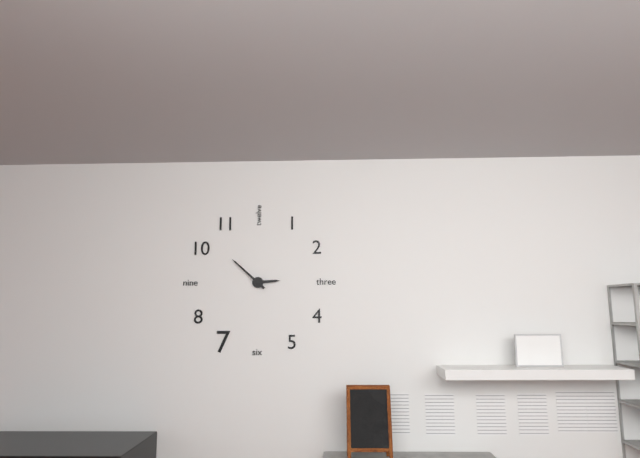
{"hour": 2, "minute": 52}
